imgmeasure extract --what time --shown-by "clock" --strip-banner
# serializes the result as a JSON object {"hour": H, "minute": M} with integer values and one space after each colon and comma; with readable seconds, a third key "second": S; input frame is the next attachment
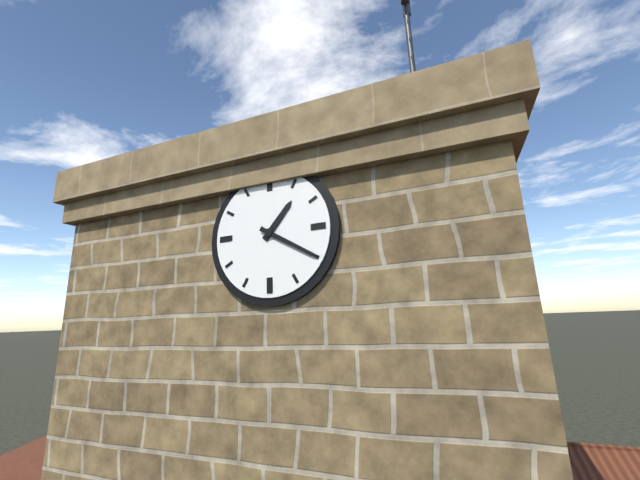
{"hour": 1, "minute": 20}
